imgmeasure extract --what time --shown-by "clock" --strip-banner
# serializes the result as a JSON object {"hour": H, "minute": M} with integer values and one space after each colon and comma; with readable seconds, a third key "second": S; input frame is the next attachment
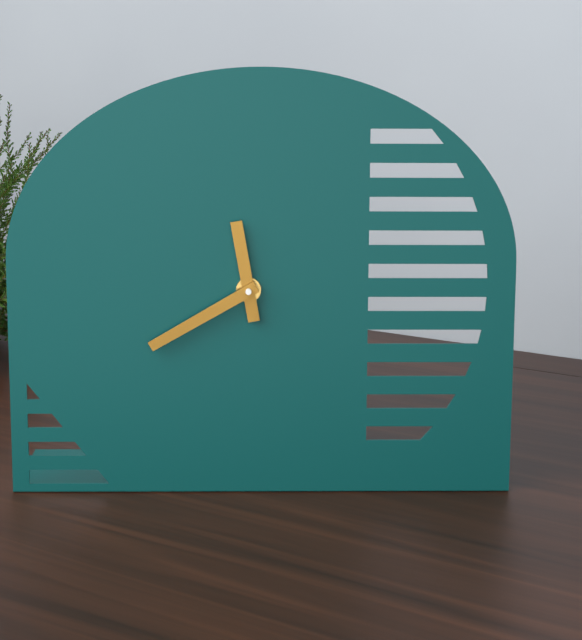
{"hour": 11, "minute": 40}
